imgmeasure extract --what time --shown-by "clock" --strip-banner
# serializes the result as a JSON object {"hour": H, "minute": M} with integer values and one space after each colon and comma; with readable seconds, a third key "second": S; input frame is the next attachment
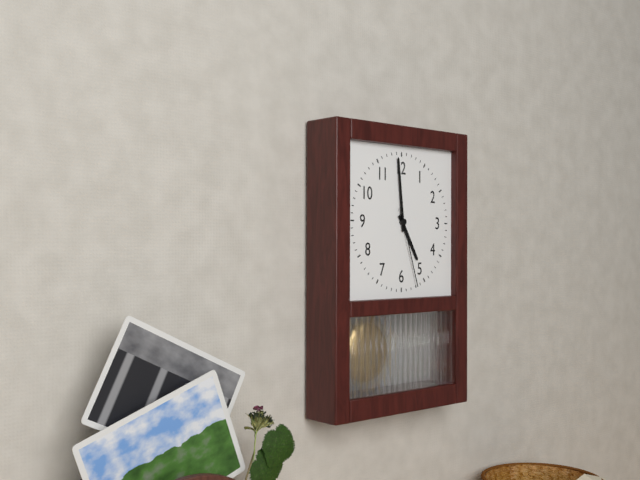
{"hour": 4, "minute": 59, "second": 27}
